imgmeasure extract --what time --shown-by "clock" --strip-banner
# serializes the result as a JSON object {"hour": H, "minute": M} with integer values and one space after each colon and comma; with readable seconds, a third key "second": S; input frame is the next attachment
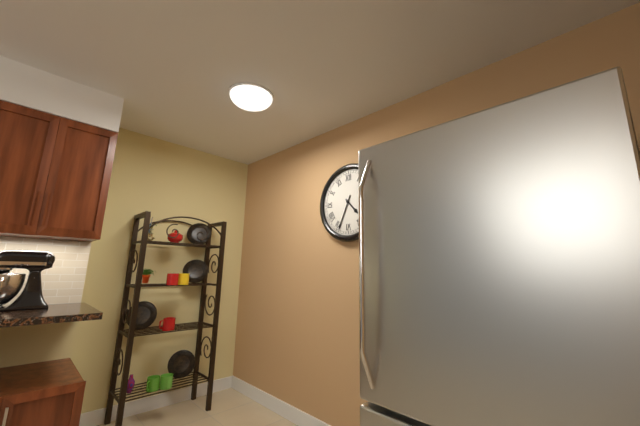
{"hour": 4, "minute": 34}
